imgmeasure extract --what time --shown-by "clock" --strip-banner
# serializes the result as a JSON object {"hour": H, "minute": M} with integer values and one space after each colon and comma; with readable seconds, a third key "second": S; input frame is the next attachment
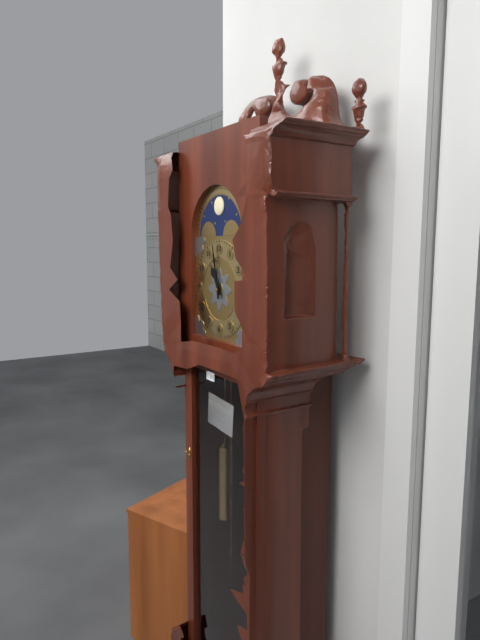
{"hour": 10, "minute": 58}
